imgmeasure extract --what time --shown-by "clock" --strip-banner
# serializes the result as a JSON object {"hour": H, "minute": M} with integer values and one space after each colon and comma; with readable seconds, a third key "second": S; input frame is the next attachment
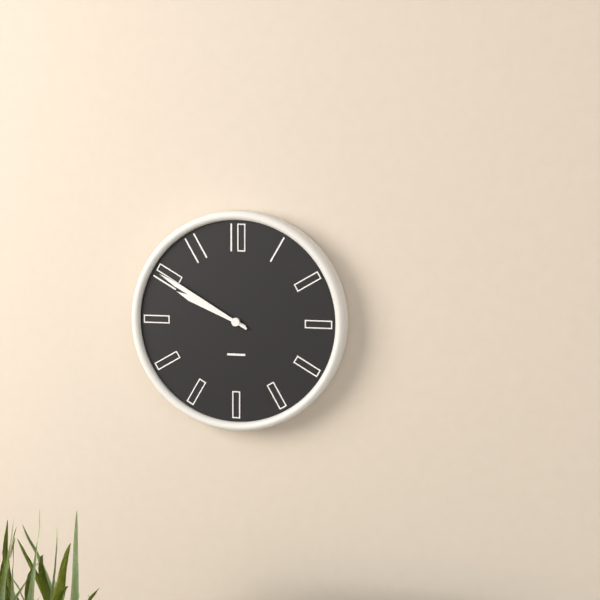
{"hour": 9, "minute": 50}
